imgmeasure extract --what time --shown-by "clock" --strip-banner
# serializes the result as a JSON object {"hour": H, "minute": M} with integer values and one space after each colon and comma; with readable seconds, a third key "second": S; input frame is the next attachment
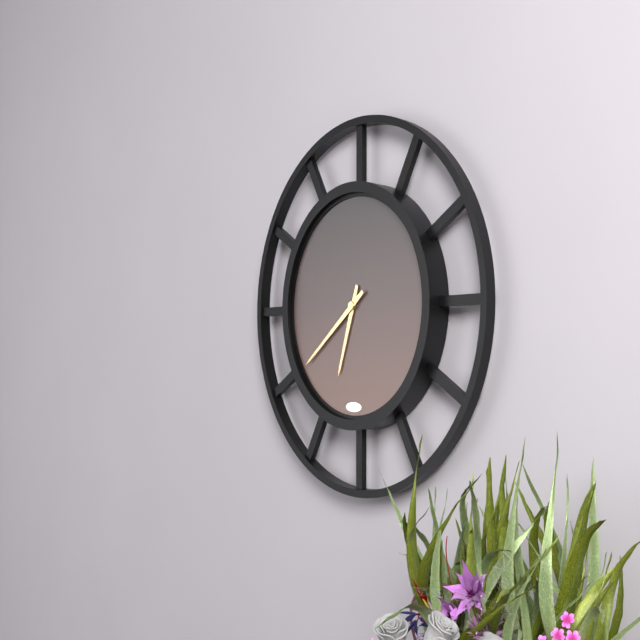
{"hour": 6, "minute": 39}
